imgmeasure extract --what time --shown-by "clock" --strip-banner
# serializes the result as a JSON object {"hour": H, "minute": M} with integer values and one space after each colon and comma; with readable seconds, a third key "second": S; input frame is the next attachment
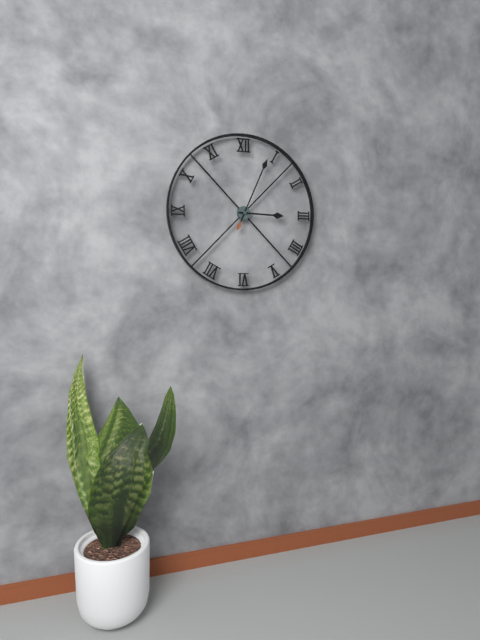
{"hour": 3, "minute": 4}
